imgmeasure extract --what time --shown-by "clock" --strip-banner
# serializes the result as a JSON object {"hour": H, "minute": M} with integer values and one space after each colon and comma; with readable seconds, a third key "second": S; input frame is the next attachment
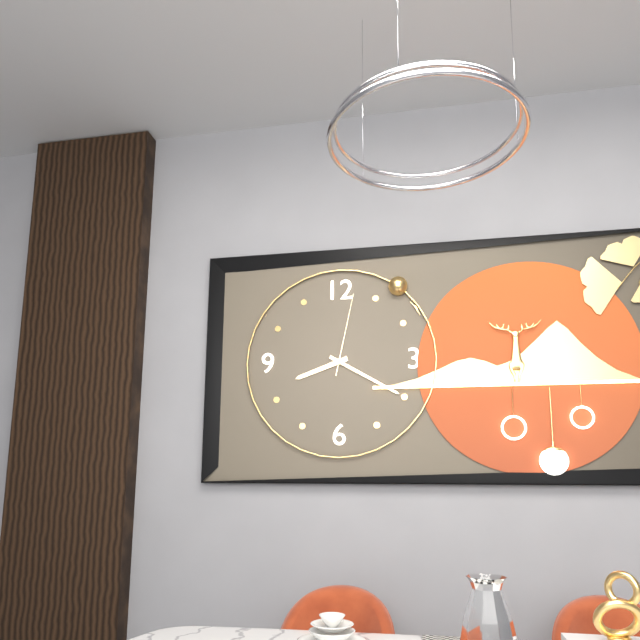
{"hour": 8, "minute": 20, "second": 2}
